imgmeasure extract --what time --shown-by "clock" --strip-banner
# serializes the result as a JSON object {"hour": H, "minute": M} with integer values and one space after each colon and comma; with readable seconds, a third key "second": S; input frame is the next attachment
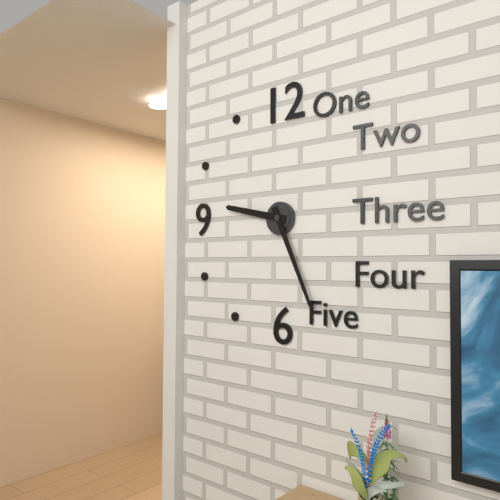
{"hour": 9, "minute": 26}
